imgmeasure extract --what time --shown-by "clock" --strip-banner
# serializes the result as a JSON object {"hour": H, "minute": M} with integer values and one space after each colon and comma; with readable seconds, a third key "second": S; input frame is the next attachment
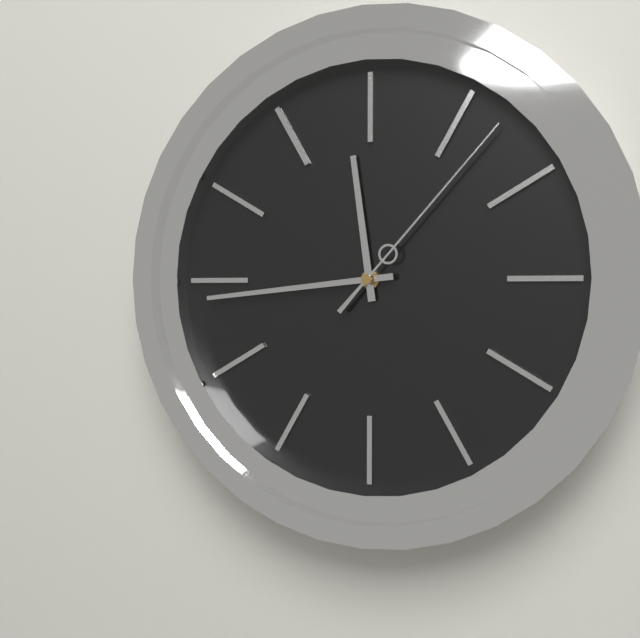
{"hour": 11, "minute": 44, "second": 7}
